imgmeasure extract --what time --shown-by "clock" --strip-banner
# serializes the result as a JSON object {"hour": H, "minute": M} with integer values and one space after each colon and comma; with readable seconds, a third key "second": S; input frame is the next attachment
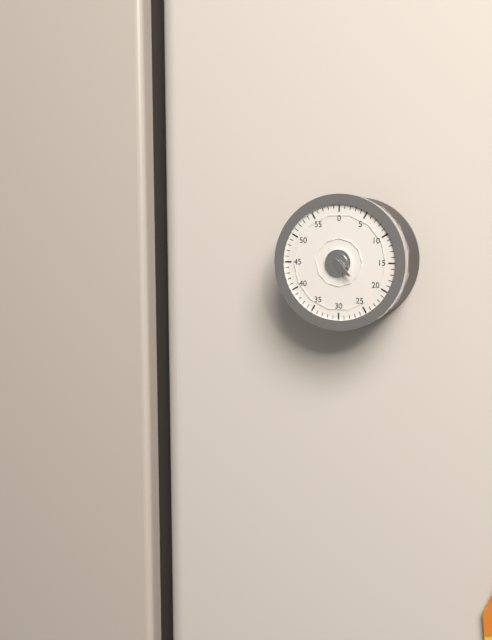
{"hour": 5, "minute": 22}
